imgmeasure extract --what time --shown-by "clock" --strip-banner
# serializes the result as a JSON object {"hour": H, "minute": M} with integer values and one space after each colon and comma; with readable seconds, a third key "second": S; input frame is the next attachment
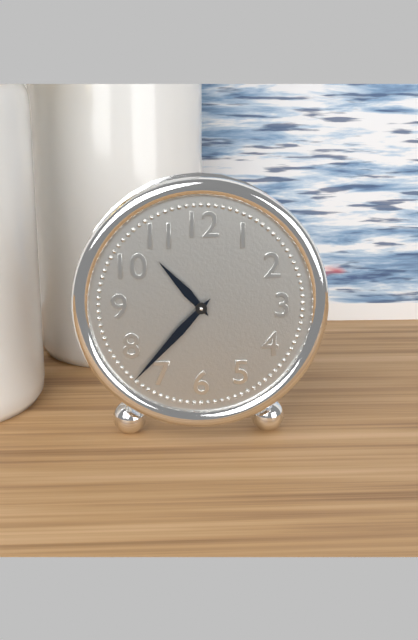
{"hour": 10, "minute": 37}
